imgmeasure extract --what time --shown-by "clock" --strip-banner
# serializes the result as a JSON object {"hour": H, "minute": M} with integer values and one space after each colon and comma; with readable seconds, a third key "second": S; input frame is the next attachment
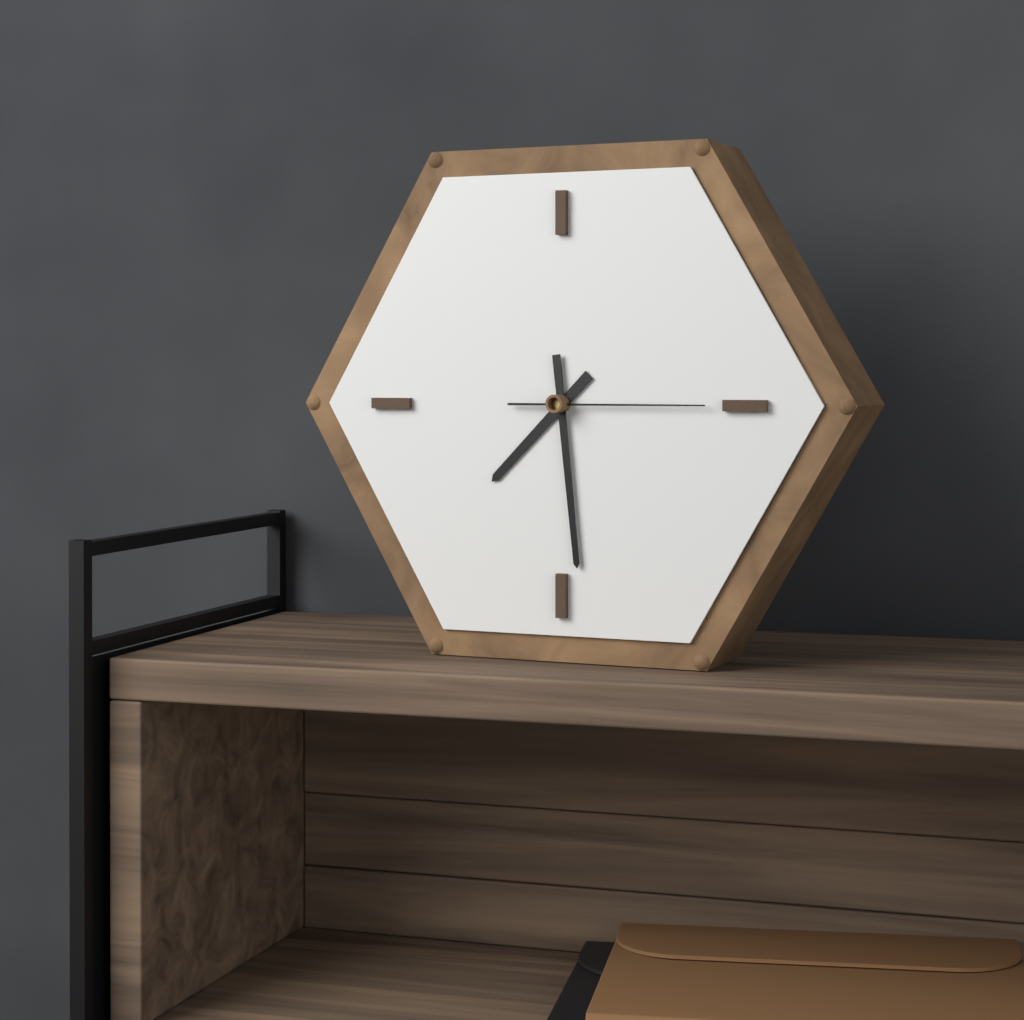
{"hour": 7, "minute": 29, "second": 15}
